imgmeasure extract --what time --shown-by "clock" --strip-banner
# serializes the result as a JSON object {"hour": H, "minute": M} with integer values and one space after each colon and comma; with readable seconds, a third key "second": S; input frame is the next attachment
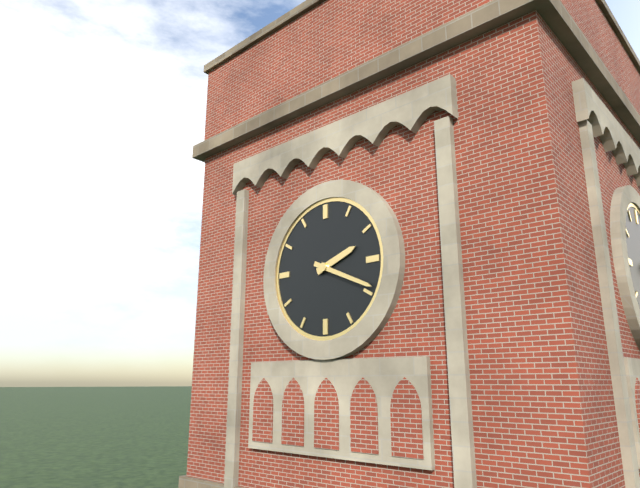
{"hour": 2, "minute": 19}
